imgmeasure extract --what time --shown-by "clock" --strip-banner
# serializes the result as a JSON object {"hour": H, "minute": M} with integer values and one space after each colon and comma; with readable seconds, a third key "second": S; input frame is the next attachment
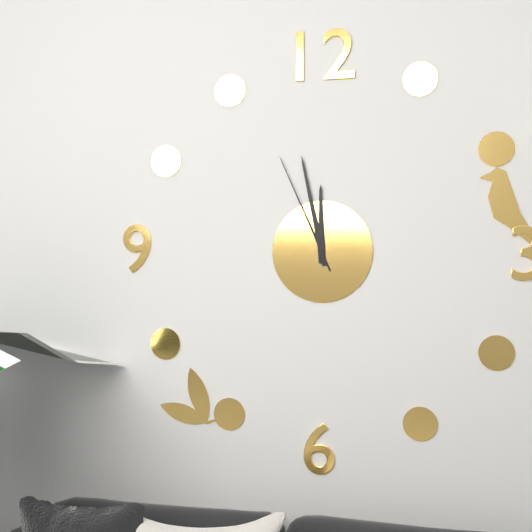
{"hour": 11, "minute": 58, "second": 56}
